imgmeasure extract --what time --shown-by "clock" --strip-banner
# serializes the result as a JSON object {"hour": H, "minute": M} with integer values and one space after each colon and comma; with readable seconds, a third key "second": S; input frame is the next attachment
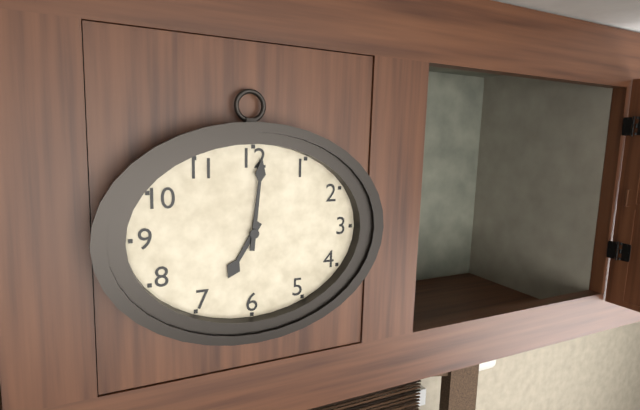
{"hour": 7, "minute": 1}
